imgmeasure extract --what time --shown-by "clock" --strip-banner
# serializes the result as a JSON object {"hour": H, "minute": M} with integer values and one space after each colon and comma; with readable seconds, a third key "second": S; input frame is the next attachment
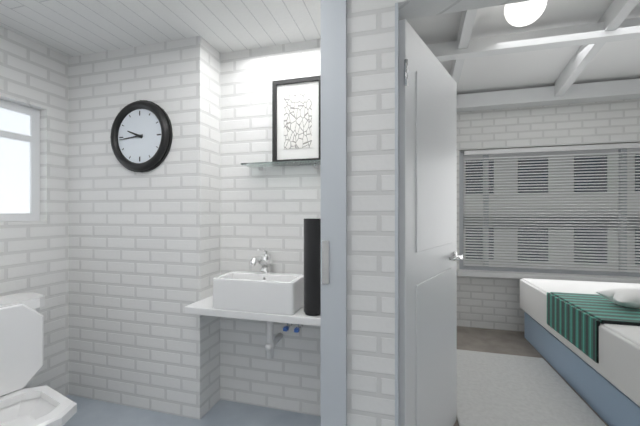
{"hour": 9, "minute": 44}
